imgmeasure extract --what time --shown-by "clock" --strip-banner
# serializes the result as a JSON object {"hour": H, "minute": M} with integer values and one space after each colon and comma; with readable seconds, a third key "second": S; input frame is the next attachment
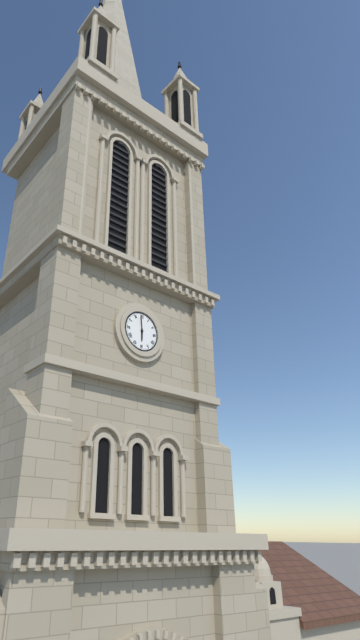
{"hour": 5, "minute": 59}
